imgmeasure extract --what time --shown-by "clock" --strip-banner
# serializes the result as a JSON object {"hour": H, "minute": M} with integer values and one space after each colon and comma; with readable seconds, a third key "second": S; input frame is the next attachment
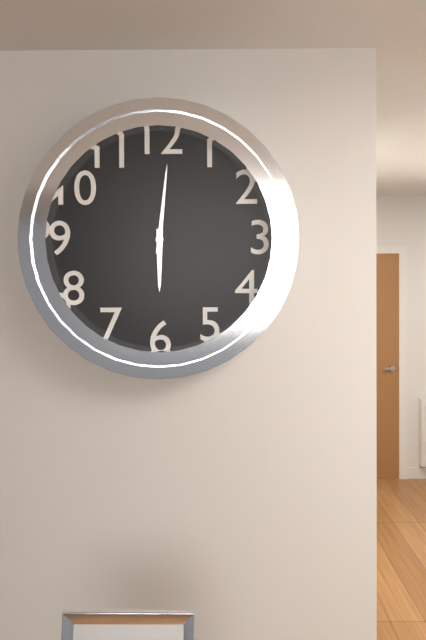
{"hour": 6, "minute": 1}
